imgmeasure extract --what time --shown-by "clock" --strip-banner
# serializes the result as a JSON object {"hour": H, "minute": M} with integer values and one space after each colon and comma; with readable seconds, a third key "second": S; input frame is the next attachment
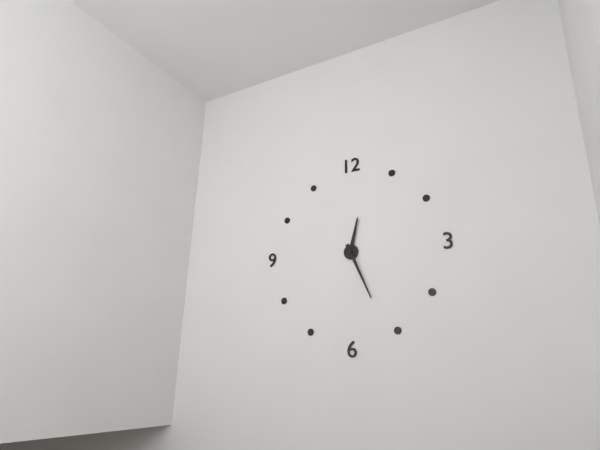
{"hour": 12, "minute": 26}
